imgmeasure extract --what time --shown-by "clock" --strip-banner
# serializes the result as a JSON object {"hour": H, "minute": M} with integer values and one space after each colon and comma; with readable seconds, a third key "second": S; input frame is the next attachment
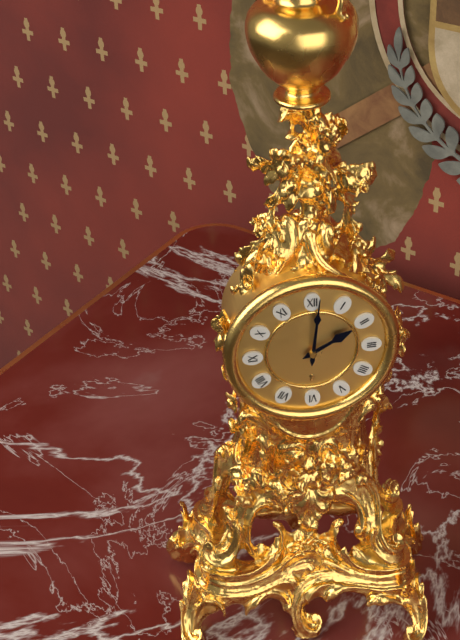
{"hour": 2, "minute": 1}
